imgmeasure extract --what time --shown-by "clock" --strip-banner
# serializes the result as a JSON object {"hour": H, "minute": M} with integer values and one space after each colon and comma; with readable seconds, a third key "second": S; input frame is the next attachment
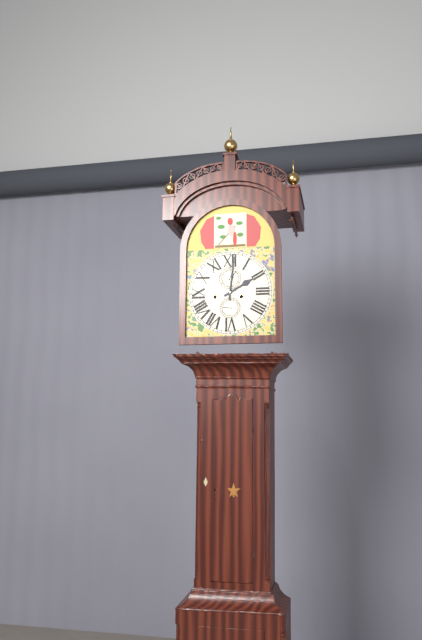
{"hour": 2, "minute": 1}
